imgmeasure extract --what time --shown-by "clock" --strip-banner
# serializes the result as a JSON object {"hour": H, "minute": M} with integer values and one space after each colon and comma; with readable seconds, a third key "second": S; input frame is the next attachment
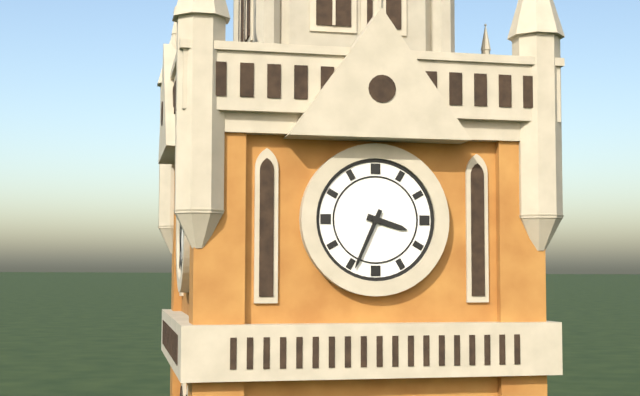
{"hour": 3, "minute": 34}
